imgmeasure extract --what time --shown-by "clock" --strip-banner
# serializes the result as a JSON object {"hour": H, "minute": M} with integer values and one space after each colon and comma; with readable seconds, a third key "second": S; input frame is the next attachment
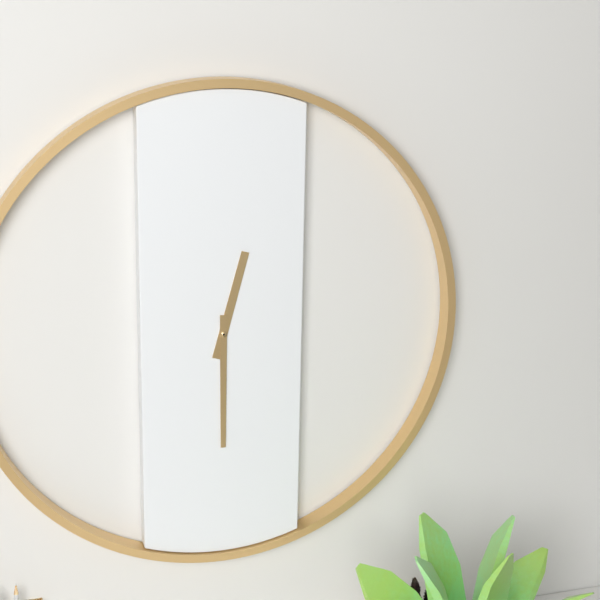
{"hour": 12, "minute": 30}
